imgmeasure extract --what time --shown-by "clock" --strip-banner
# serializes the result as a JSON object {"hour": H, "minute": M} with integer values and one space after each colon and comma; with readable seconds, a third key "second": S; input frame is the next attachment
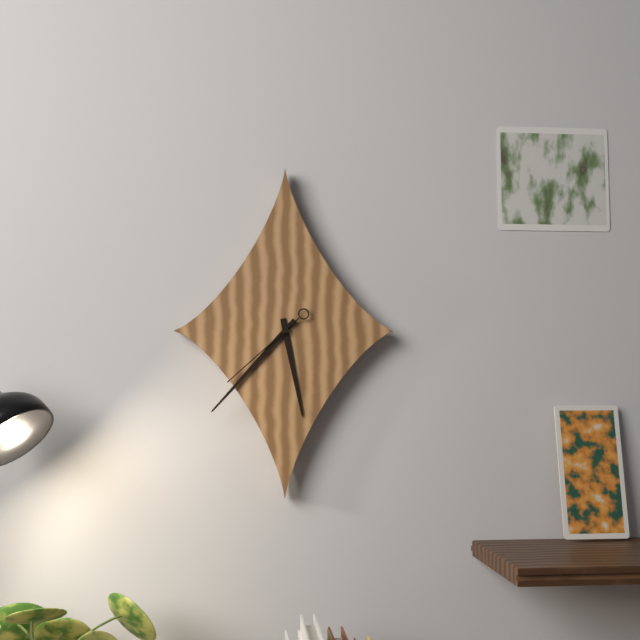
{"hour": 5, "minute": 37, "second": 38}
